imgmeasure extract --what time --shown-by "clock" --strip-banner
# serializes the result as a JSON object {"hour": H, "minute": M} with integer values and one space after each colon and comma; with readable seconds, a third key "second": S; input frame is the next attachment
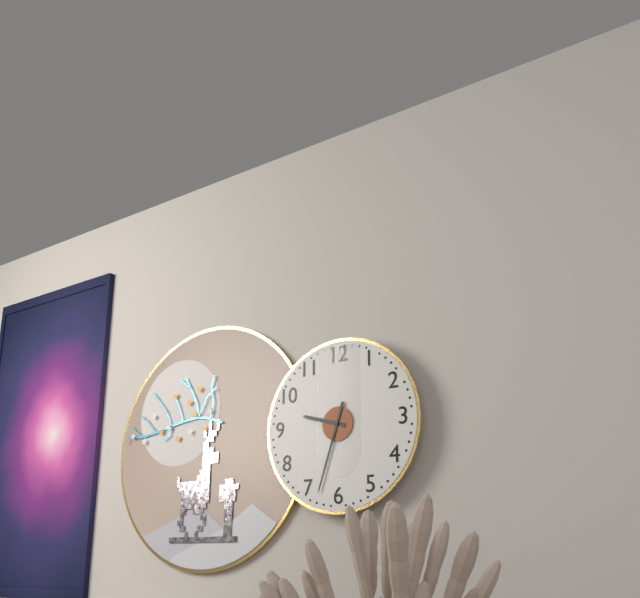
{"hour": 9, "minute": 33}
